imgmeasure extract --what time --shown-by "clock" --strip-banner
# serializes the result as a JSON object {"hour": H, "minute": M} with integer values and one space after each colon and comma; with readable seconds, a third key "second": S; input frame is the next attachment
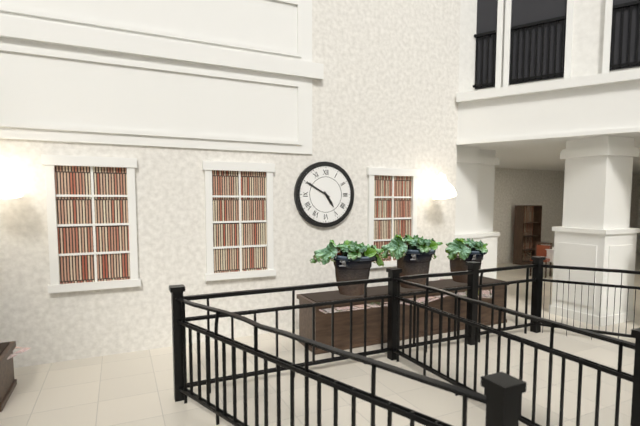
{"hour": 4, "minute": 50}
